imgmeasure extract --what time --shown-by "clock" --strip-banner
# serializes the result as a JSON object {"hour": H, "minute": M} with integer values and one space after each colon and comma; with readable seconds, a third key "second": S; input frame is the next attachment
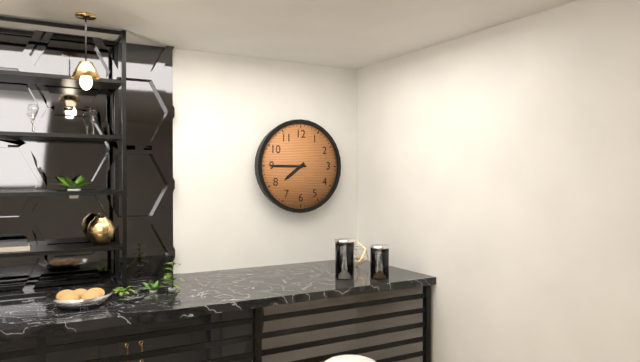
{"hour": 7, "minute": 45}
